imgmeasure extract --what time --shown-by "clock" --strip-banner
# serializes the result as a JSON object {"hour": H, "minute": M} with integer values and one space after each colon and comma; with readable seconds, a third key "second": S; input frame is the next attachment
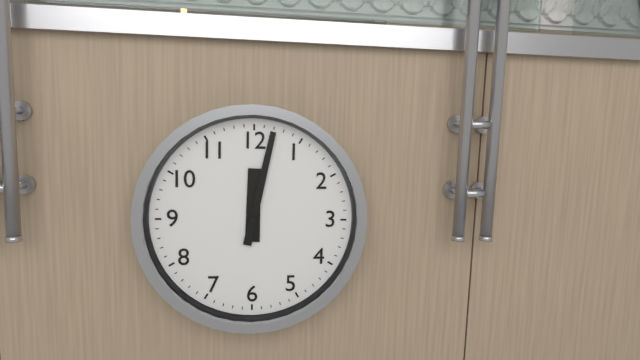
{"hour": 12, "minute": 2}
